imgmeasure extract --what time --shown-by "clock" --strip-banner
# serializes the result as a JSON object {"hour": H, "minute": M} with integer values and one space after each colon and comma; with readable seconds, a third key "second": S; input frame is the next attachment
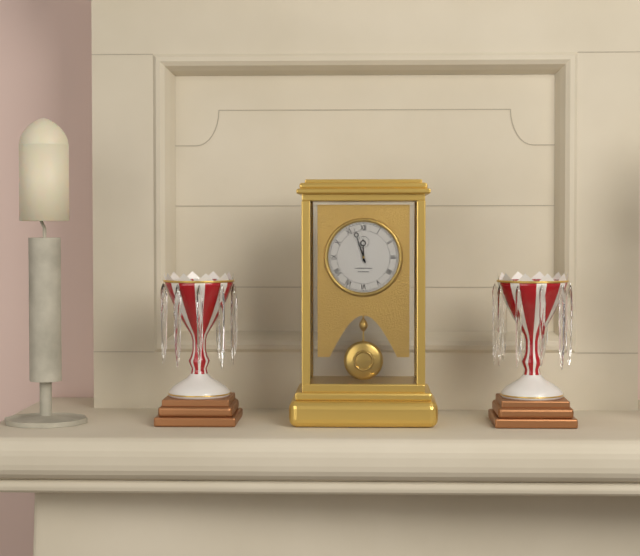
{"hour": 11, "minute": 57}
